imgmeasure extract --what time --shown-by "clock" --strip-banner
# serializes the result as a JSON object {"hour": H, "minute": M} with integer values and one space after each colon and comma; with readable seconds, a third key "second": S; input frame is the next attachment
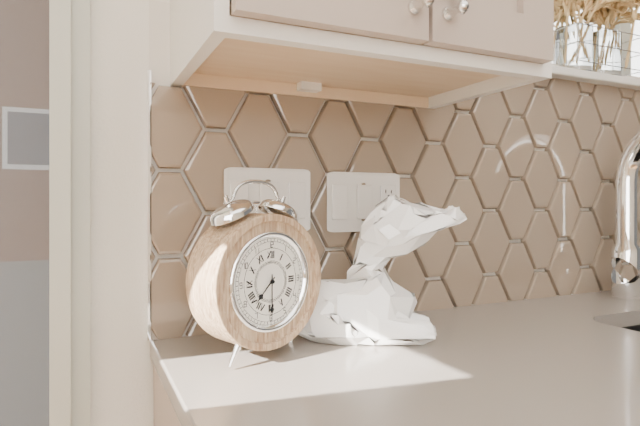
{"hour": 7, "minute": 30}
